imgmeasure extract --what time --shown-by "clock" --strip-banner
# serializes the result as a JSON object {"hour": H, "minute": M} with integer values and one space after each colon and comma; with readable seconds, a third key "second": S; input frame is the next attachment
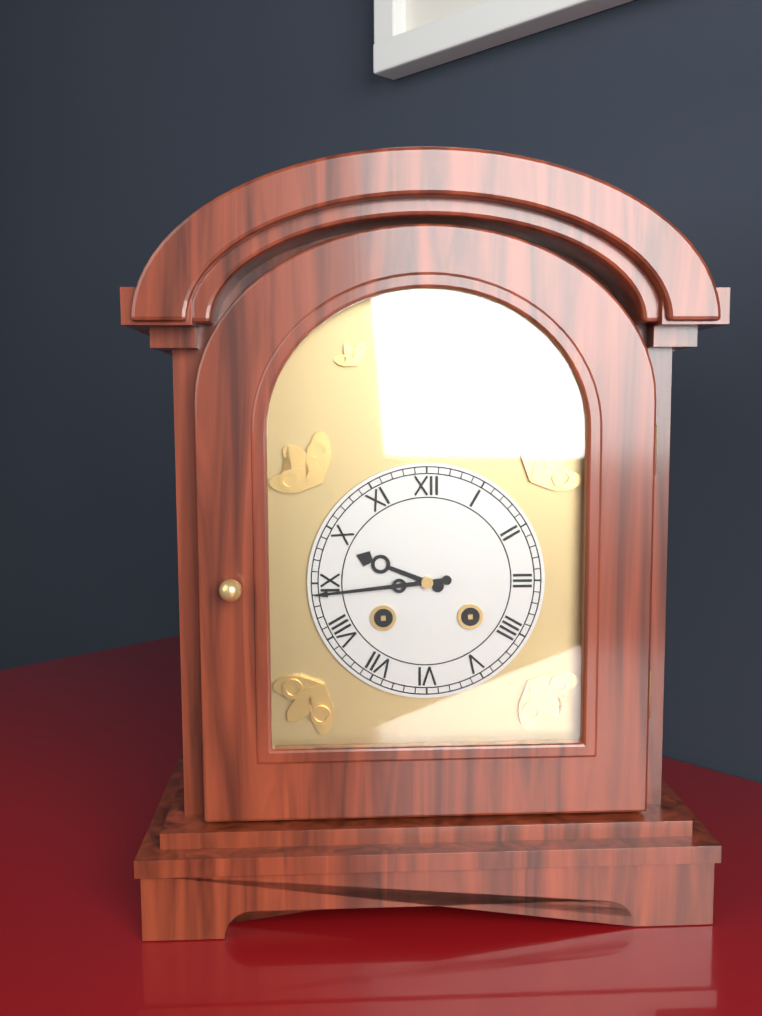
{"hour": 9, "minute": 44}
